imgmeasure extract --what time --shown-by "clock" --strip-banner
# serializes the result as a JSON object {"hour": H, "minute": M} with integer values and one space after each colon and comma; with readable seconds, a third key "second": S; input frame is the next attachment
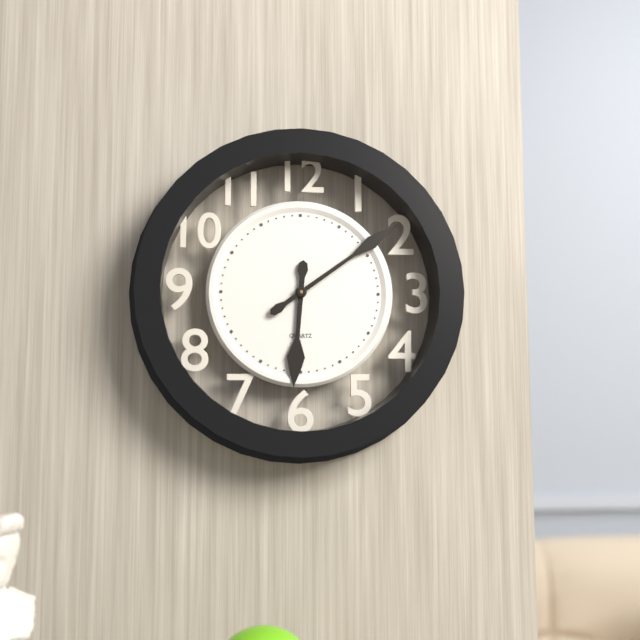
{"hour": 6, "minute": 9}
